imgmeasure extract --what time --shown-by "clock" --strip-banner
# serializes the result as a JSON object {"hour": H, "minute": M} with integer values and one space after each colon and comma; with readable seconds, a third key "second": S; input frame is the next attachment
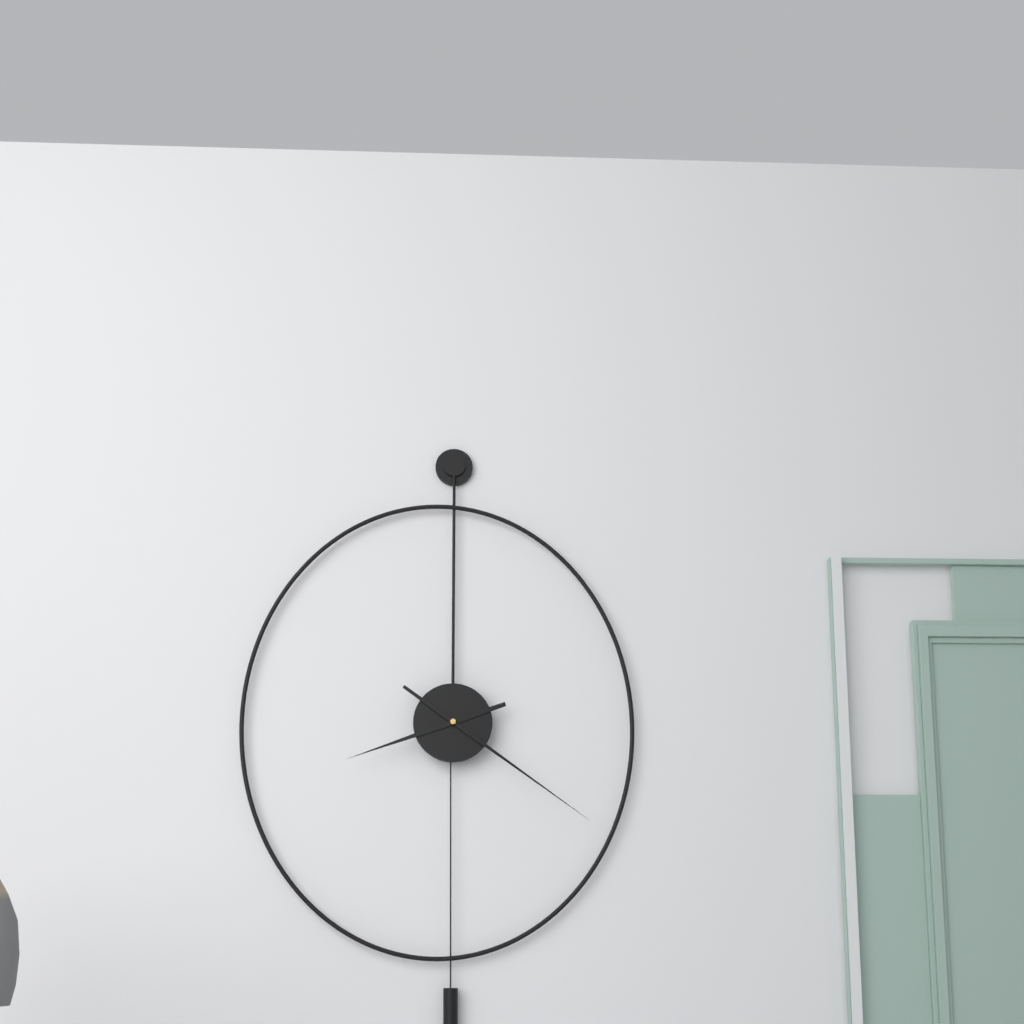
{"hour": 8, "minute": 21}
